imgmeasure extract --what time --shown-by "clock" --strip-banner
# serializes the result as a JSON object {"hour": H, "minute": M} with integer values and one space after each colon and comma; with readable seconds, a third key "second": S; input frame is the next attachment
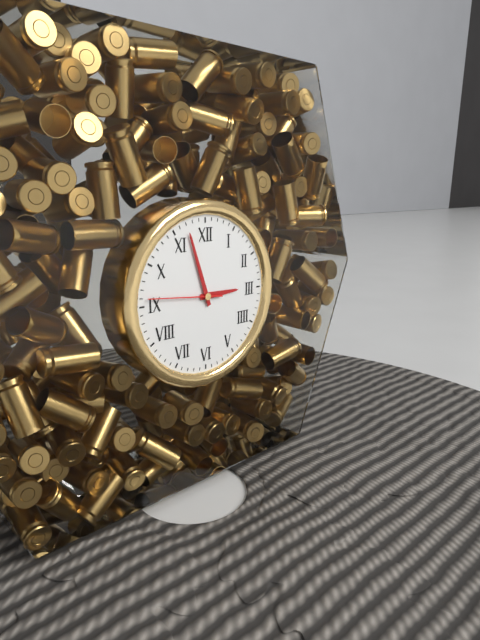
{"hour": 2, "minute": 57, "second": 46}
